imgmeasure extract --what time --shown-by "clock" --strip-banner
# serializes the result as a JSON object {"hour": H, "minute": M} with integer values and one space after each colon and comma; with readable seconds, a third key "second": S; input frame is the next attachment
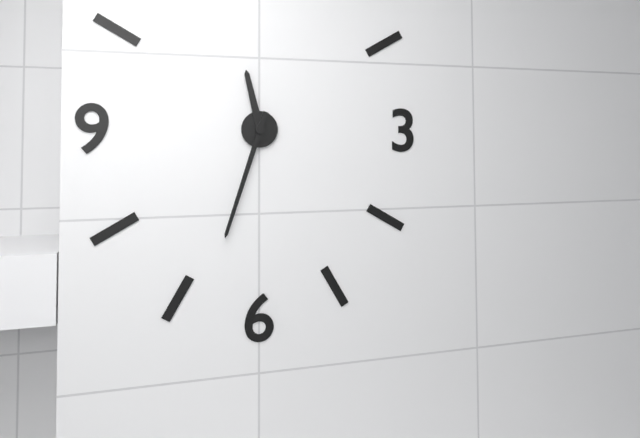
{"hour": 11, "minute": 33}
